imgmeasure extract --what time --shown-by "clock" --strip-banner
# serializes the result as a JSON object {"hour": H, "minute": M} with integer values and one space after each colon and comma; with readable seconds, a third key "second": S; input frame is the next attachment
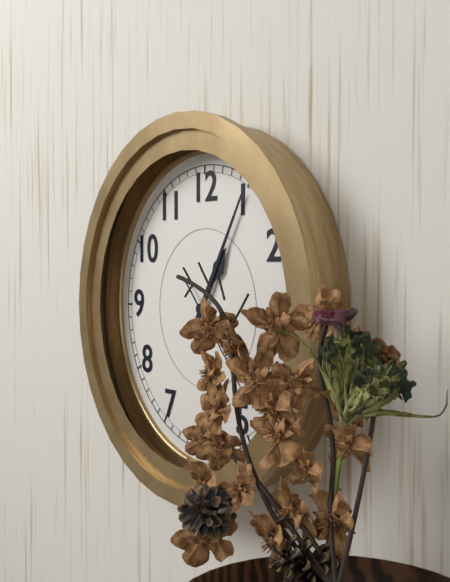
{"hour": 1, "minute": 5, "second": 23}
